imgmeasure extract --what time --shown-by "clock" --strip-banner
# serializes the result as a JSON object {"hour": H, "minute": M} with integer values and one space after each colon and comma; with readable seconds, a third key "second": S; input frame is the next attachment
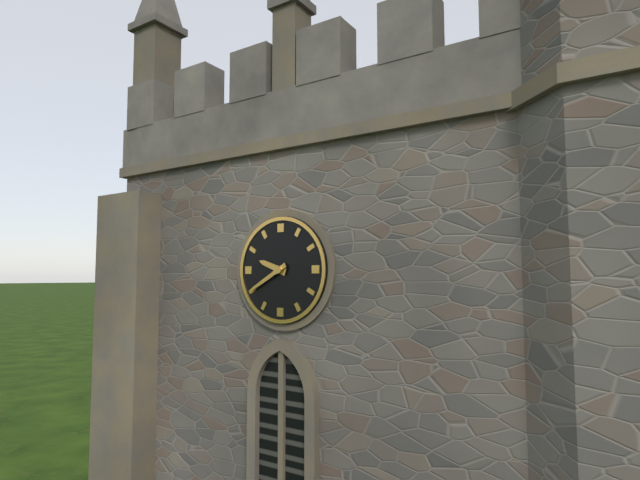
{"hour": 9, "minute": 40}
